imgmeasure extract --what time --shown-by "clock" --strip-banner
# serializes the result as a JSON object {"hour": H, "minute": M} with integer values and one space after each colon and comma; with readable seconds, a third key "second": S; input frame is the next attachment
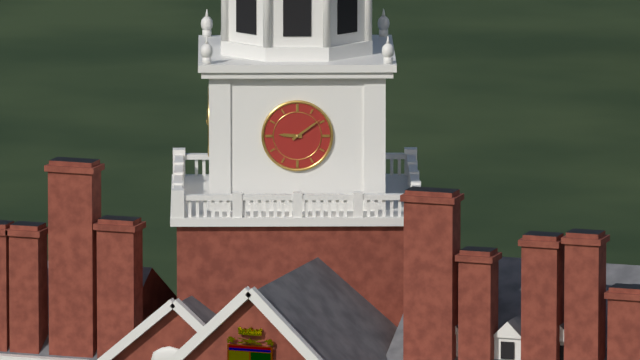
{"hour": 9, "minute": 9}
